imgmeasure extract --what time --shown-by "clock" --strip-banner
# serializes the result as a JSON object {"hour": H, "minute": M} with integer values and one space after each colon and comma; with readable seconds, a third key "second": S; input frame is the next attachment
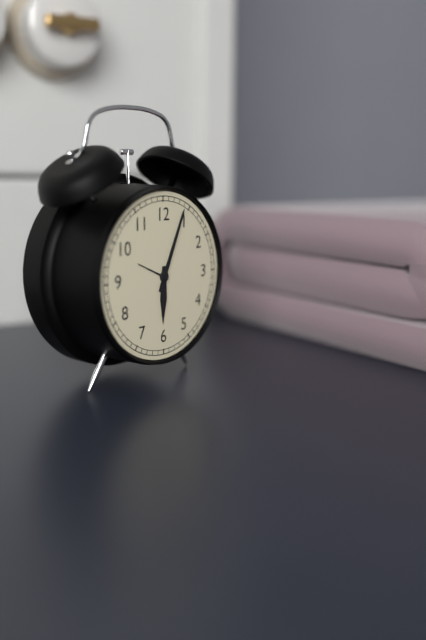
{"hour": 6, "minute": 4}
